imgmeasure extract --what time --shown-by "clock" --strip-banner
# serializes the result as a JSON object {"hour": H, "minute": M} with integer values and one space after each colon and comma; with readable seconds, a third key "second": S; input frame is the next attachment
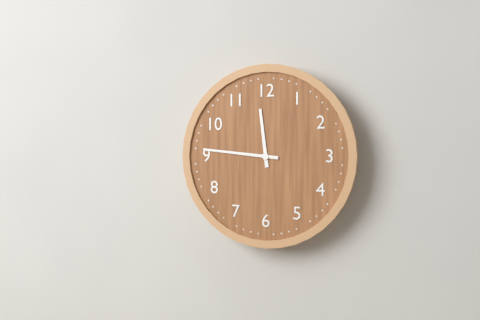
{"hour": 11, "minute": 46}
